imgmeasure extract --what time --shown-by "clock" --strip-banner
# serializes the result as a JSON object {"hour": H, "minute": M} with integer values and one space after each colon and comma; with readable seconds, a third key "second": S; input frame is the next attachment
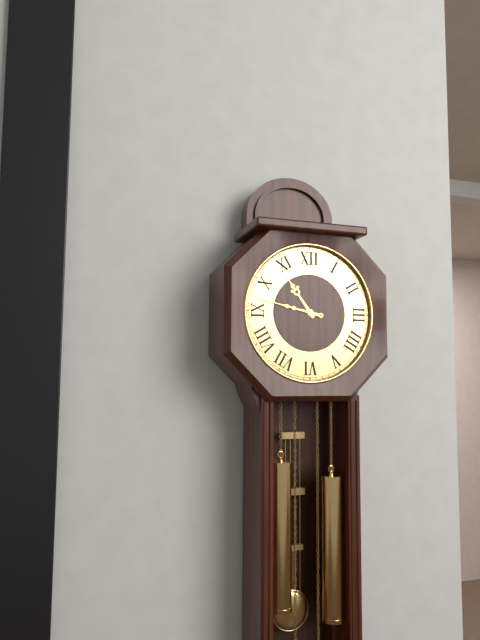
{"hour": 10, "minute": 47}
